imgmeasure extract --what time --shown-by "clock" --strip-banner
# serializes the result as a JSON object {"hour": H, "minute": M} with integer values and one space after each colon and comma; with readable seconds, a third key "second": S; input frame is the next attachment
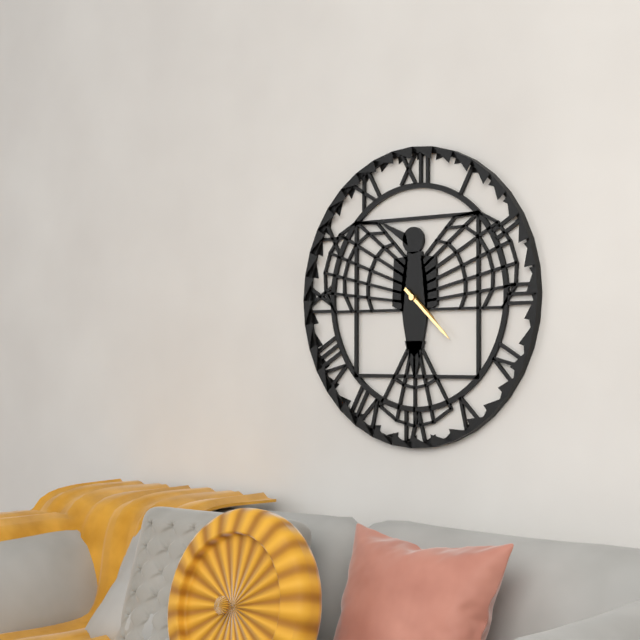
{"hour": 4, "minute": 22}
